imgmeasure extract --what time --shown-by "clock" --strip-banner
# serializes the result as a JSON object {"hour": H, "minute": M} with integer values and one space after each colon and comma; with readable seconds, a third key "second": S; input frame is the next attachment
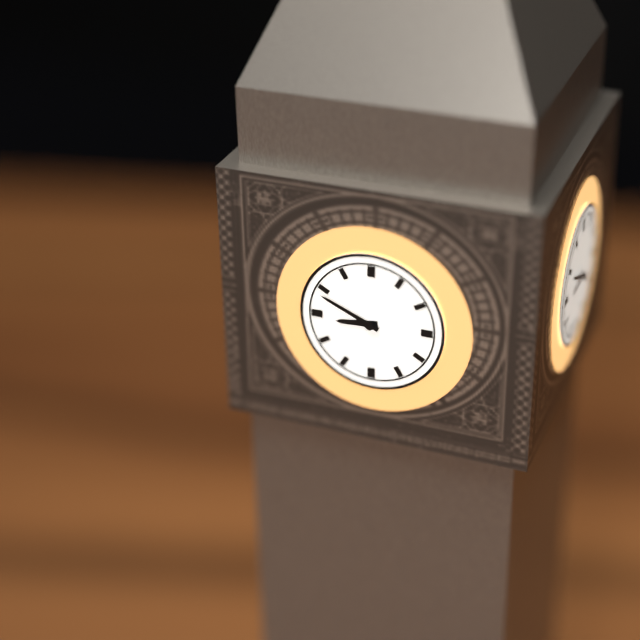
{"hour": 8, "minute": 49}
